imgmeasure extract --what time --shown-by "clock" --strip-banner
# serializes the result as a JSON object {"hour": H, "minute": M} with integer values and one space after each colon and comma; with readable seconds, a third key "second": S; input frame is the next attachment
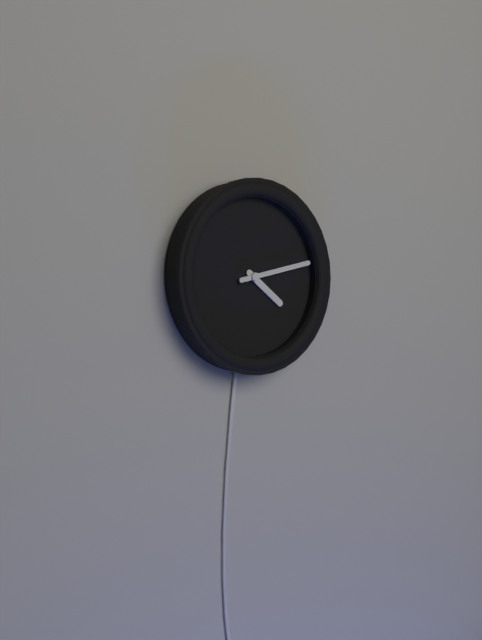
{"hour": 4, "minute": 13}
